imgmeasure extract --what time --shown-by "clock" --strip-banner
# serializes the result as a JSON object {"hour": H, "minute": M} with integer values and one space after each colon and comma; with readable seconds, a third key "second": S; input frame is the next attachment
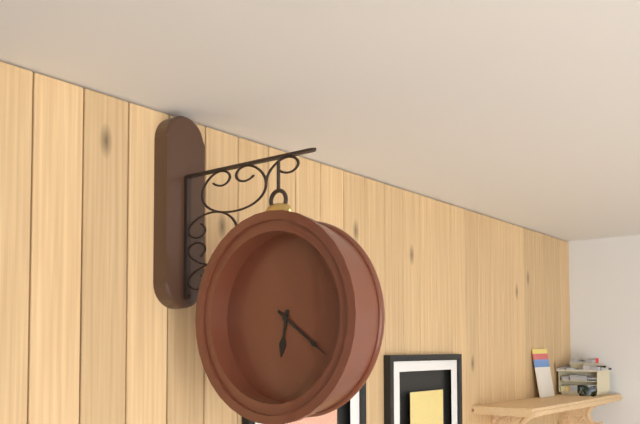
{"hour": 6, "minute": 21}
